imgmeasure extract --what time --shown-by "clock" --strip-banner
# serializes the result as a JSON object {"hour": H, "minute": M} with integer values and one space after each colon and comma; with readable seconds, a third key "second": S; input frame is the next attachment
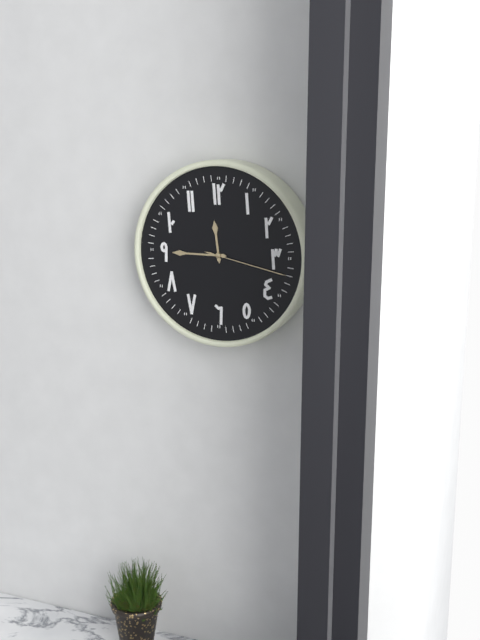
{"hour": 11, "minute": 45, "second": 17}
